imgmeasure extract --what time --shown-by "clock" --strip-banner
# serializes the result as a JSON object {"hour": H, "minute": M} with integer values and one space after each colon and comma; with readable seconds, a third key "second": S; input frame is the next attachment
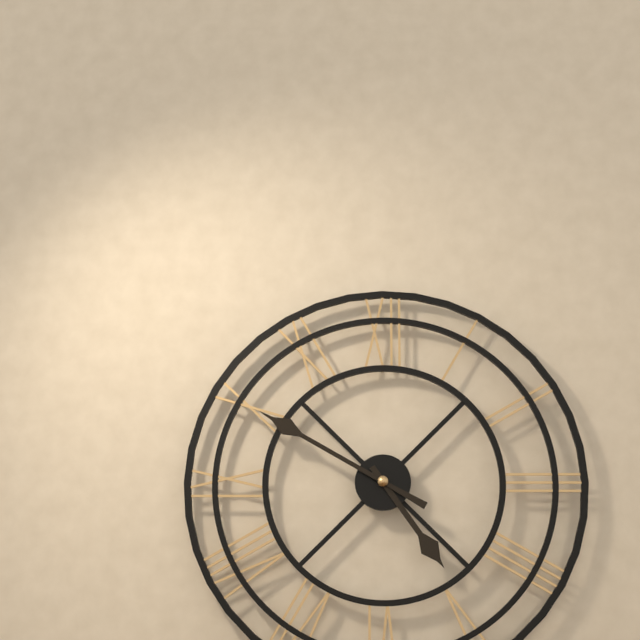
{"hour": 4, "minute": 50}
